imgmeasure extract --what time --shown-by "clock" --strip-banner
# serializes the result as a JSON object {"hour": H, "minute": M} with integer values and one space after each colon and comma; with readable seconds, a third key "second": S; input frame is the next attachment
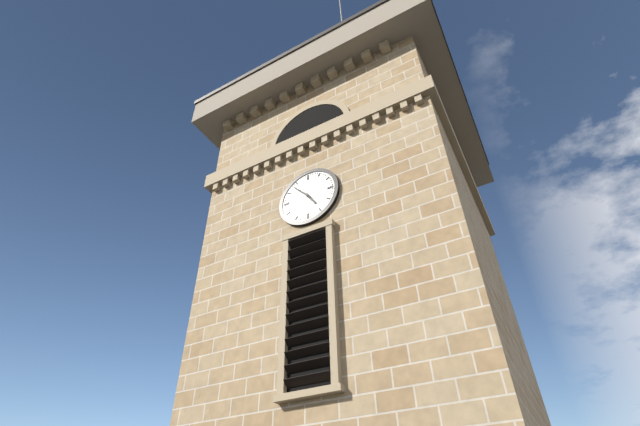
{"hour": 4, "minute": 53}
